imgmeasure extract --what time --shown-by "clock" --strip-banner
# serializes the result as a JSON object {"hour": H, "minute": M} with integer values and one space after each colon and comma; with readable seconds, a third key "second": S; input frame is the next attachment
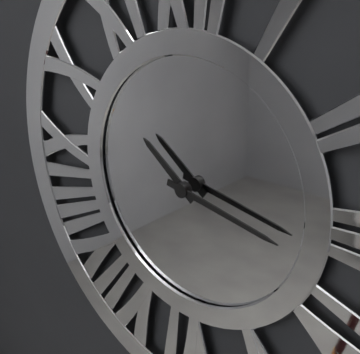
{"hour": 10, "minute": 17}
